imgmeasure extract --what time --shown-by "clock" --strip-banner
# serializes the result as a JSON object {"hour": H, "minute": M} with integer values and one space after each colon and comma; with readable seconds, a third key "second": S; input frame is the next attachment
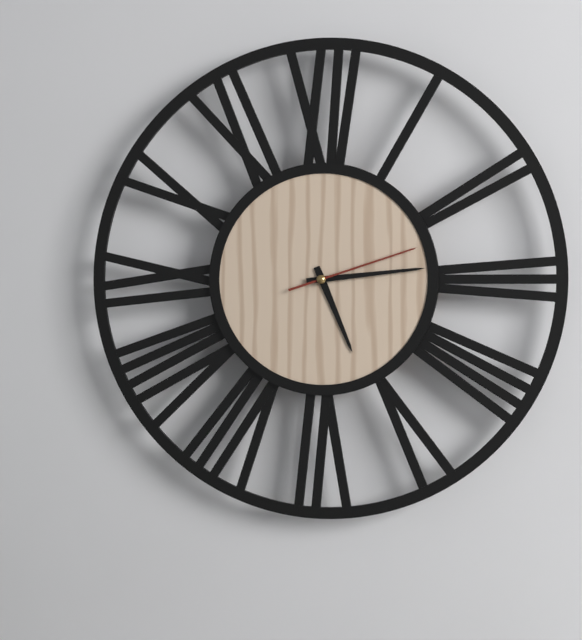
{"hour": 5, "minute": 14, "second": 12}
